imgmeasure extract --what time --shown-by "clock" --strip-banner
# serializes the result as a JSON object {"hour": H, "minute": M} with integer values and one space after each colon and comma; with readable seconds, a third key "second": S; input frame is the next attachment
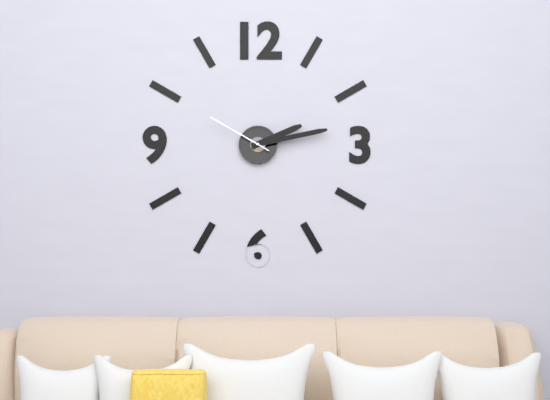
{"hour": 2, "minute": 13, "second": 50}
